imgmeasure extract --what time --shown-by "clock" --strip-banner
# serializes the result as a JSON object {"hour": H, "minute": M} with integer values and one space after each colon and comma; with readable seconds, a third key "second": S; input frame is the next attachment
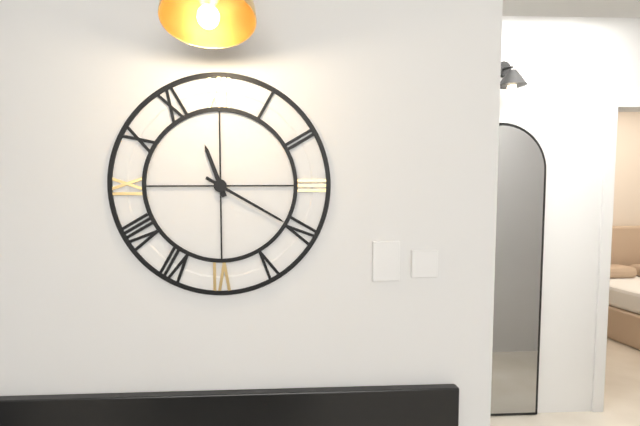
{"hour": 11, "minute": 20}
